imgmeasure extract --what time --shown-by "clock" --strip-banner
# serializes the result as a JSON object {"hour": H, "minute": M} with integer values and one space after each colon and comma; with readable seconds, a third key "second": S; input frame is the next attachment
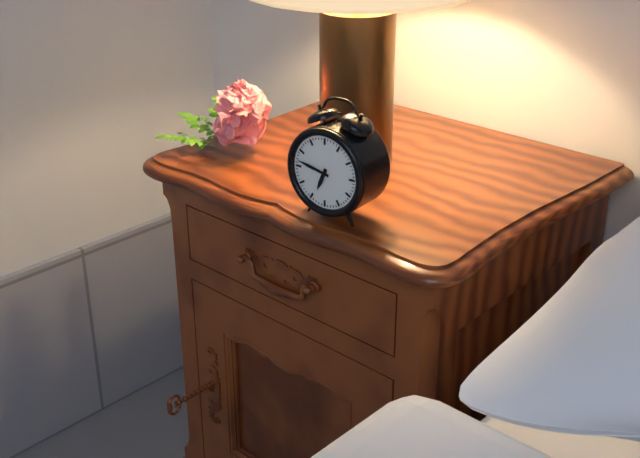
{"hour": 6, "minute": 47}
